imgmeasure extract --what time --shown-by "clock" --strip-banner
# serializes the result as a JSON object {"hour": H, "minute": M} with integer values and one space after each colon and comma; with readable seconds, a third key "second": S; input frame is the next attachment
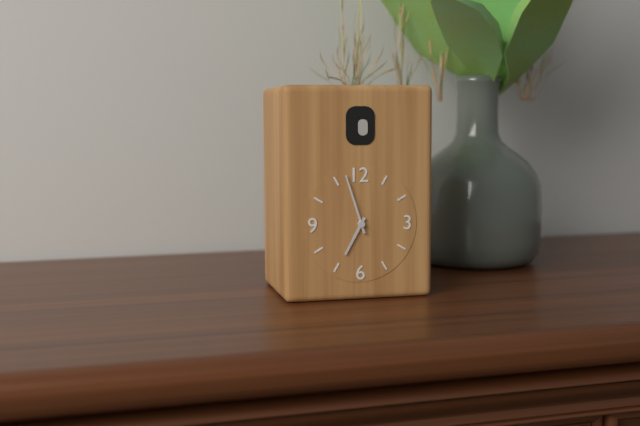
{"hour": 6, "minute": 57}
